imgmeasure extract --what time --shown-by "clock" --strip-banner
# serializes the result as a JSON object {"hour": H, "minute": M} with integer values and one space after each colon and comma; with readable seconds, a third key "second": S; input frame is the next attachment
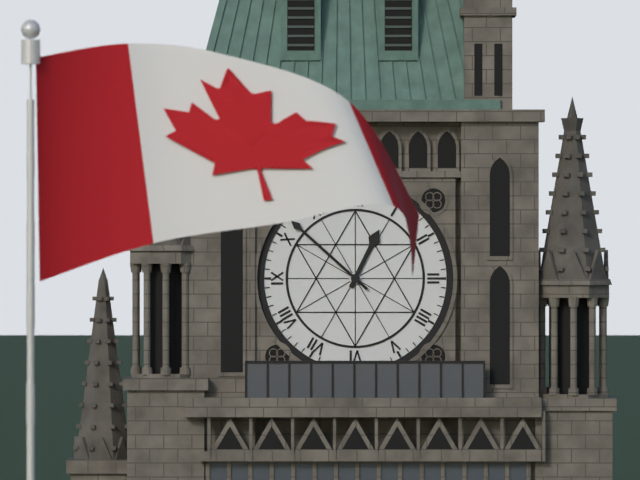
{"hour": 12, "minute": 52}
